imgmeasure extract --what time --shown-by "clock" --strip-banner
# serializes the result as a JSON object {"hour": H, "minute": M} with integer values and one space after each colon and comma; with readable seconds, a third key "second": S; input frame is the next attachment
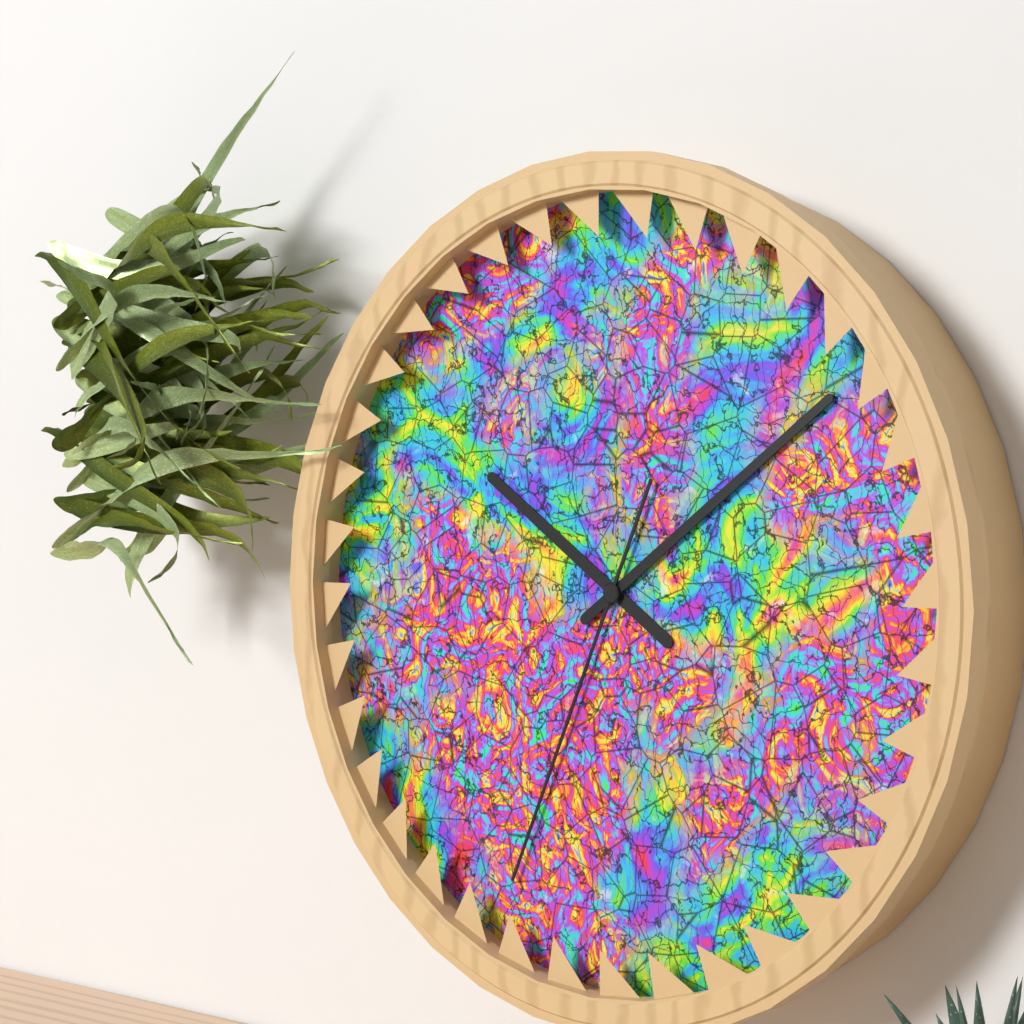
{"hour": 10, "minute": 9, "second": 34}
